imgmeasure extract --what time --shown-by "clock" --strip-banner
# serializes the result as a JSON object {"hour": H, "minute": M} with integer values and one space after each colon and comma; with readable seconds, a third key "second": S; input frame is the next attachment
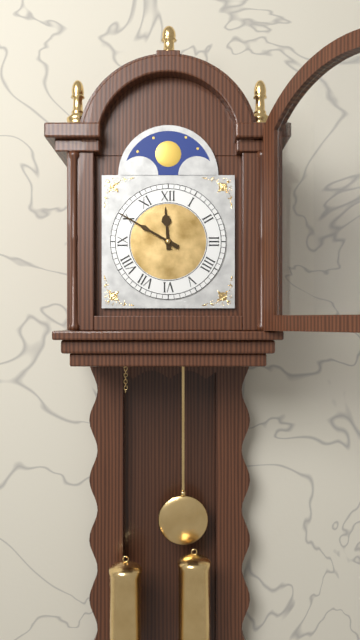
{"hour": 11, "minute": 50}
